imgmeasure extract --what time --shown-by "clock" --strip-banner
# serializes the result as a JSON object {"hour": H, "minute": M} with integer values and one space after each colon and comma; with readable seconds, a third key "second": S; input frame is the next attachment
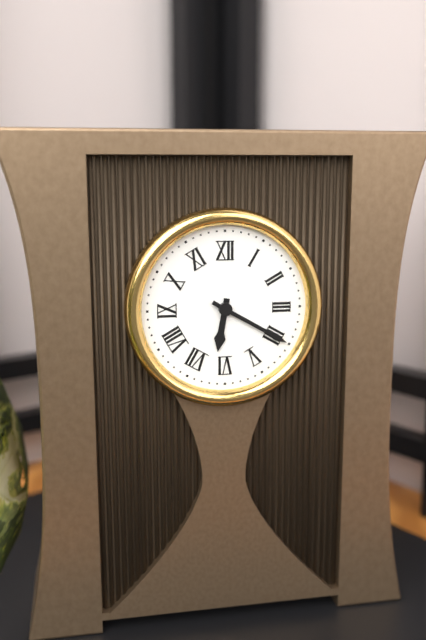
{"hour": 6, "minute": 20}
